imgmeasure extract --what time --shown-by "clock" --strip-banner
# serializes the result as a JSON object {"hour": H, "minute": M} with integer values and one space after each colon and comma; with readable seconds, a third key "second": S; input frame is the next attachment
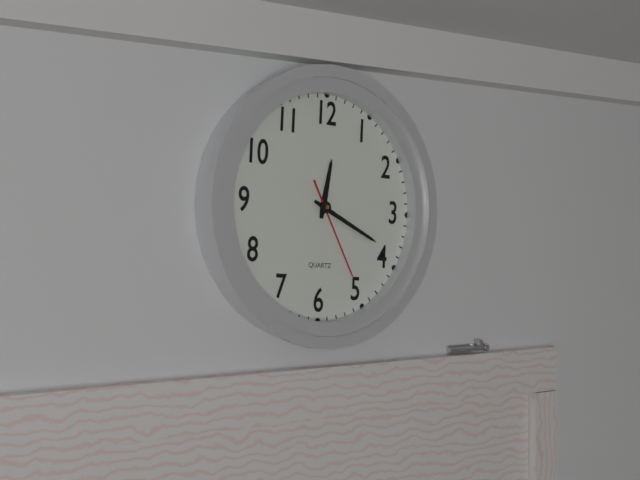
{"hour": 12, "minute": 19, "second": 25}
